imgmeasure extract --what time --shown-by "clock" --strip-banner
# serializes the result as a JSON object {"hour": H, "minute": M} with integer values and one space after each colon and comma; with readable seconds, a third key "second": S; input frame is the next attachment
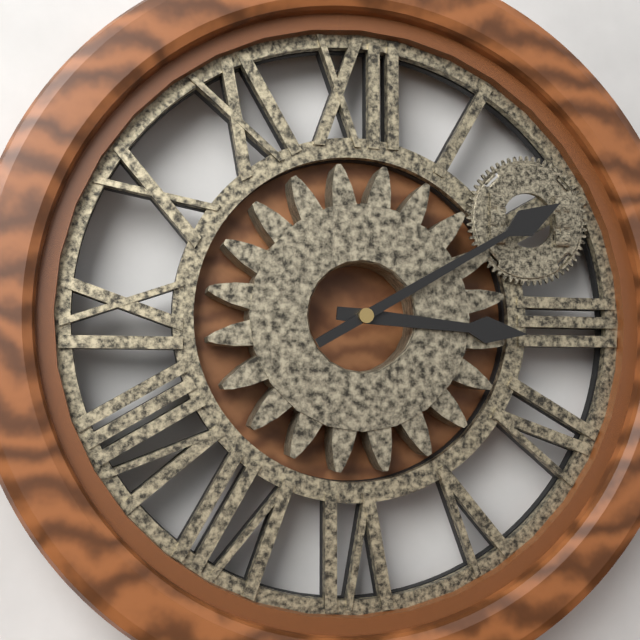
{"hour": 3, "minute": 10}
